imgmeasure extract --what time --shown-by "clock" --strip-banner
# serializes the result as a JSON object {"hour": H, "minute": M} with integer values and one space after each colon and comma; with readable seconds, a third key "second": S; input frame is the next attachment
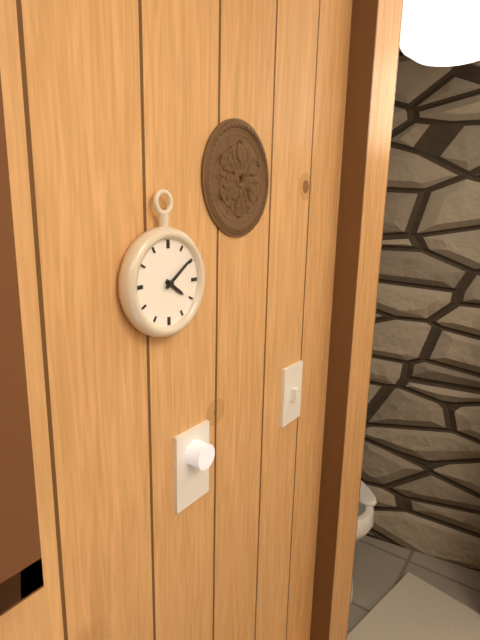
{"hour": 4, "minute": 9}
